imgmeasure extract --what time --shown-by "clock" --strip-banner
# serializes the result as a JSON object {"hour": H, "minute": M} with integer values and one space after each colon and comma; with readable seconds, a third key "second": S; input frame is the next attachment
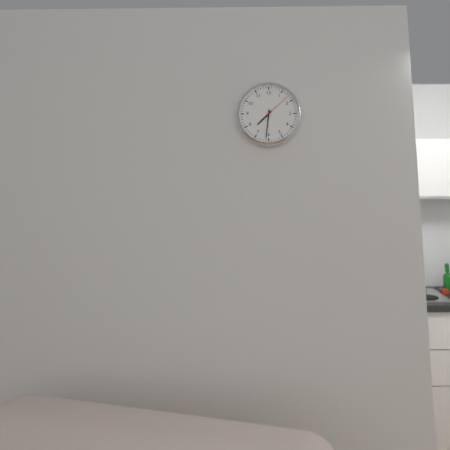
{"hour": 7, "minute": 31}
